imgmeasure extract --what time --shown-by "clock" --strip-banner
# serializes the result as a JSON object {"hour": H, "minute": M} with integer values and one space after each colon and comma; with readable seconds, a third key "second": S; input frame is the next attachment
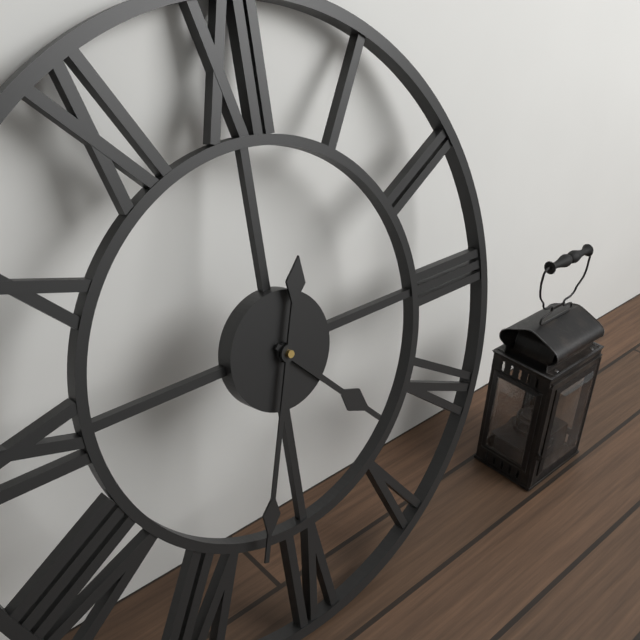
{"hour": 4, "minute": 33}
